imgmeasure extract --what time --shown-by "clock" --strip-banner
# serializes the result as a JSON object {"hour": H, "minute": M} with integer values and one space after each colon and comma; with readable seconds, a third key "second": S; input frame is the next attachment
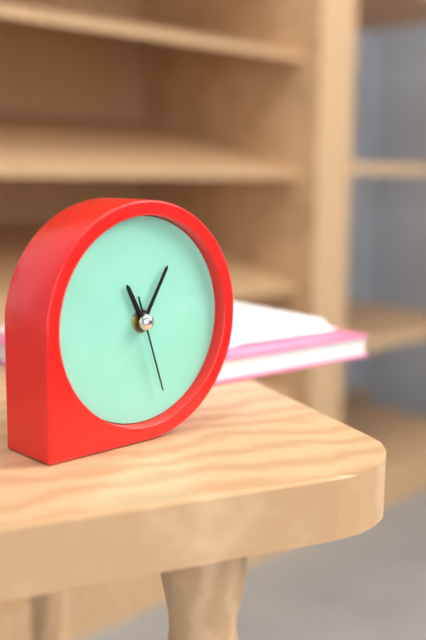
{"hour": 11, "minute": 5, "second": 27}
